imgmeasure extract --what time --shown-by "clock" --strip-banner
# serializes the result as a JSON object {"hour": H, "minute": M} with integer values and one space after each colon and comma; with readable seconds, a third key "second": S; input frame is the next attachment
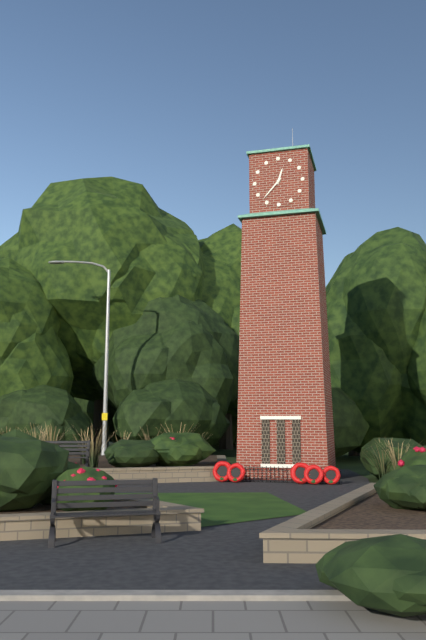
{"hour": 12, "minute": 37}
